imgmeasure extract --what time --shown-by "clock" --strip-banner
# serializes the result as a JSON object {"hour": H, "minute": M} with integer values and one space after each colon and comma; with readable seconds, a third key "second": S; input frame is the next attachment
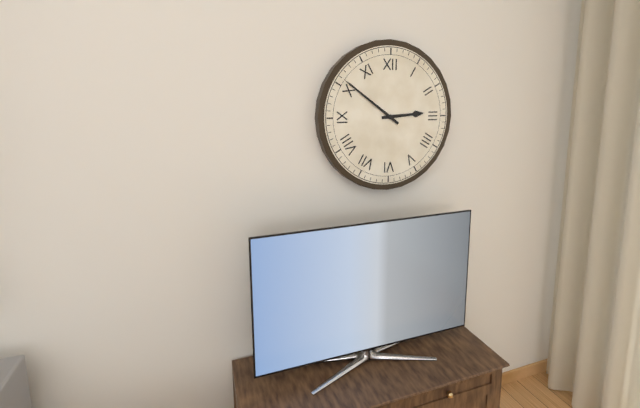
{"hour": 2, "minute": 51}
